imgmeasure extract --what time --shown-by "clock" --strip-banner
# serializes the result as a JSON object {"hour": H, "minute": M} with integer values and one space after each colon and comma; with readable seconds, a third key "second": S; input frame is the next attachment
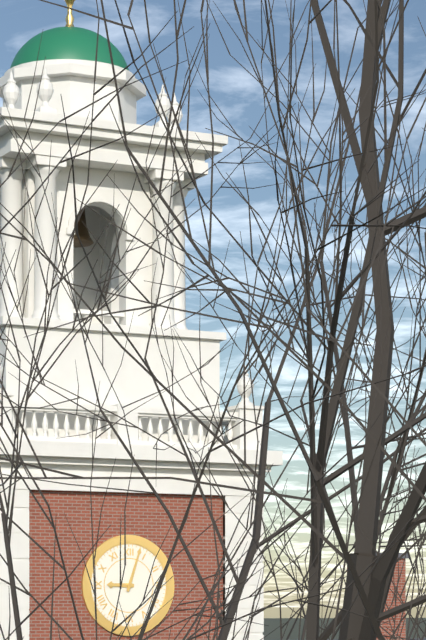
{"hour": 9, "minute": 3}
